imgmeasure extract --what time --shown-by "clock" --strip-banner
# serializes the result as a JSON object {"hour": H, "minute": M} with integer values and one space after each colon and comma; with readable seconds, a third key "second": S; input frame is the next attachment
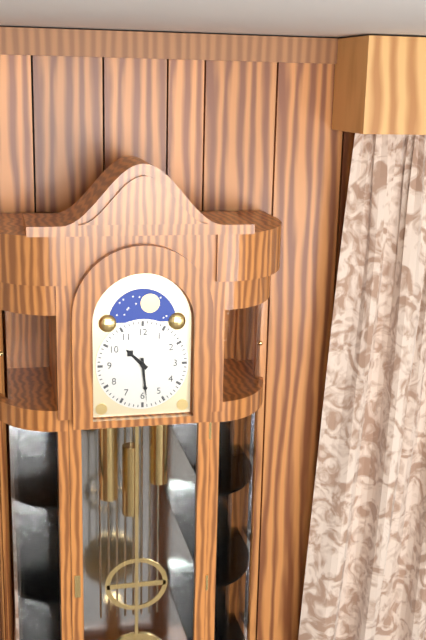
{"hour": 10, "minute": 29}
